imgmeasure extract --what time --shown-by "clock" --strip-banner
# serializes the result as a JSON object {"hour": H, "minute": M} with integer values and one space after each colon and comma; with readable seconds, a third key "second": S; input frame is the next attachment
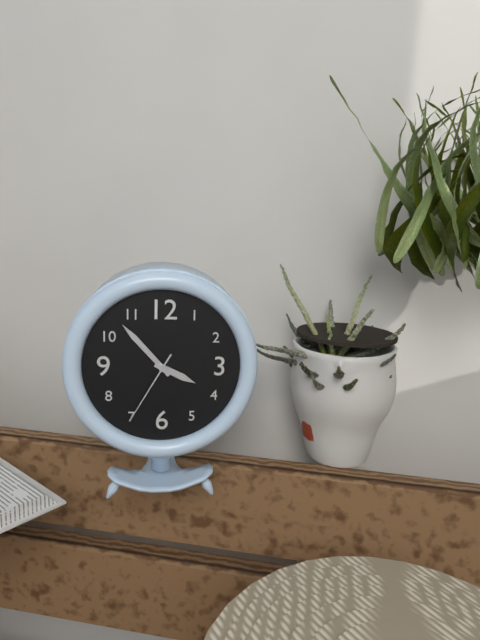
{"hour": 3, "minute": 53, "second": 35}
